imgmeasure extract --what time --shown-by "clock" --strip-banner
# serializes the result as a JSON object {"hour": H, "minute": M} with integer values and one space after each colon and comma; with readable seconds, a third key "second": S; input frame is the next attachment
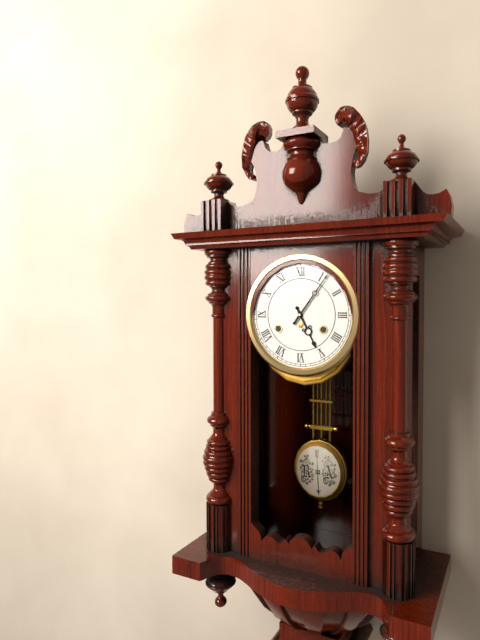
{"hour": 5, "minute": 6}
